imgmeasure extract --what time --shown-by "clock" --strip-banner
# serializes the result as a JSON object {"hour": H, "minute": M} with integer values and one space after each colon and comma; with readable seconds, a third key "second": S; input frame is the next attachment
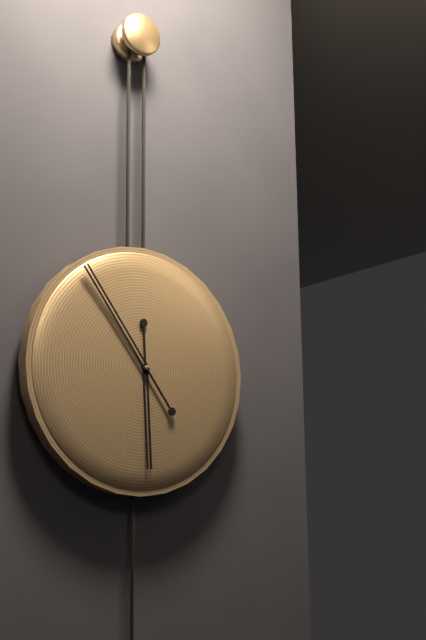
{"hour": 5, "minute": 54}
